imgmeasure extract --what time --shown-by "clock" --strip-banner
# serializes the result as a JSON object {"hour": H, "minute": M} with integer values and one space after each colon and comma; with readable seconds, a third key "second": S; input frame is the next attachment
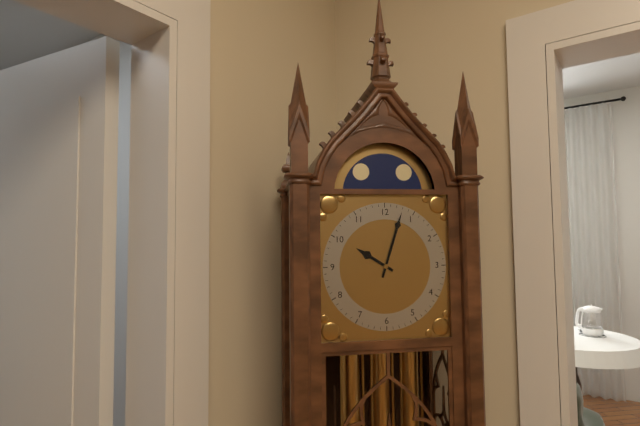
{"hour": 10, "minute": 3}
